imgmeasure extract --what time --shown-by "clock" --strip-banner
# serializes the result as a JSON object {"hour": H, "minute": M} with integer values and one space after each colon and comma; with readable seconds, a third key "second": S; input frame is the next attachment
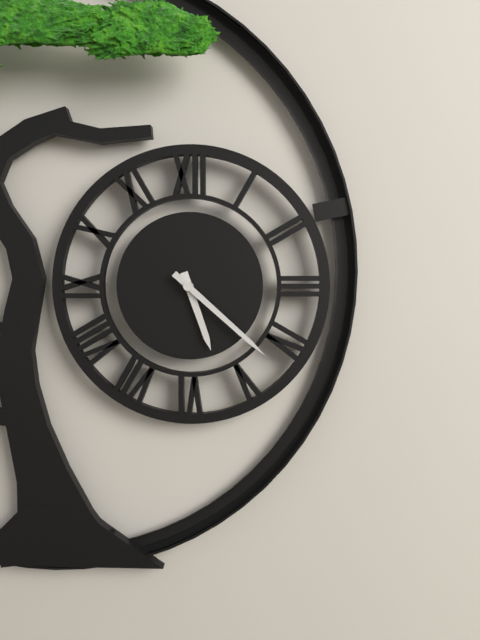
{"hour": 5, "minute": 22}
